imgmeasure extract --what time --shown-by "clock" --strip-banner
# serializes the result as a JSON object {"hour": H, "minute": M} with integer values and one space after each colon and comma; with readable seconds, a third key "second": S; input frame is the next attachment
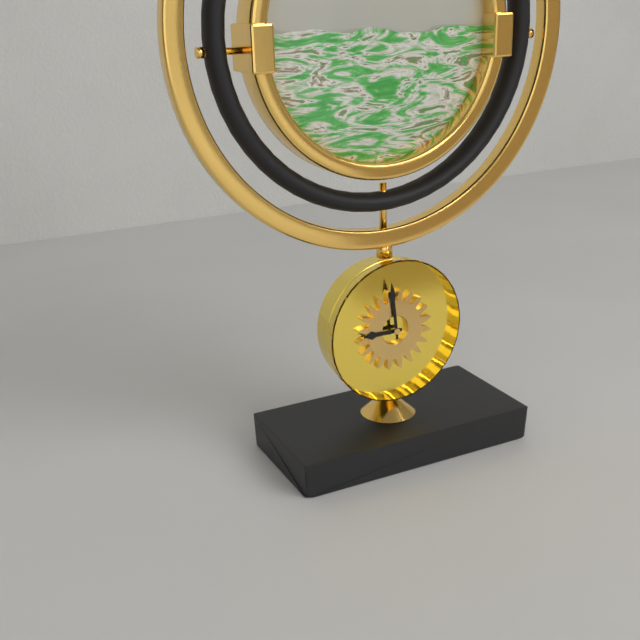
{"hour": 8, "minute": 59}
